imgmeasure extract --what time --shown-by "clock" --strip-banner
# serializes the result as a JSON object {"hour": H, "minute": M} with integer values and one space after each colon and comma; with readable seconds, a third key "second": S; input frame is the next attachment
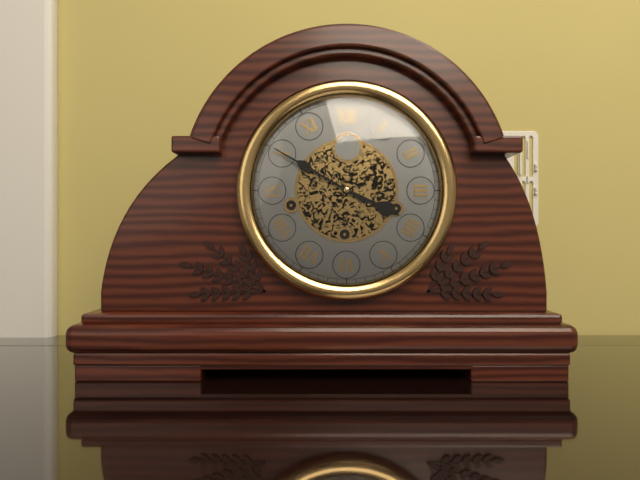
{"hour": 3, "minute": 50}
